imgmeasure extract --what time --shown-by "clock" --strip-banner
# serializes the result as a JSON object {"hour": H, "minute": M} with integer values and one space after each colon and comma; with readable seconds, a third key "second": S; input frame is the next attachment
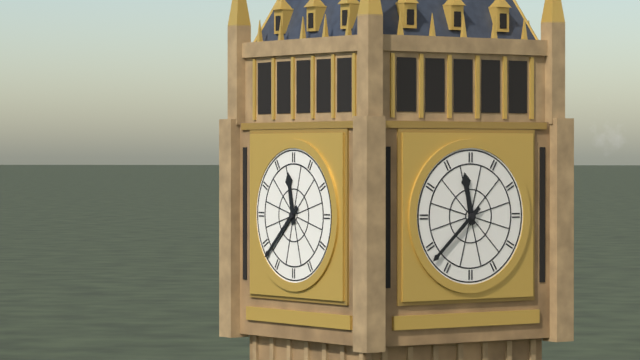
{"hour": 11, "minute": 38}
